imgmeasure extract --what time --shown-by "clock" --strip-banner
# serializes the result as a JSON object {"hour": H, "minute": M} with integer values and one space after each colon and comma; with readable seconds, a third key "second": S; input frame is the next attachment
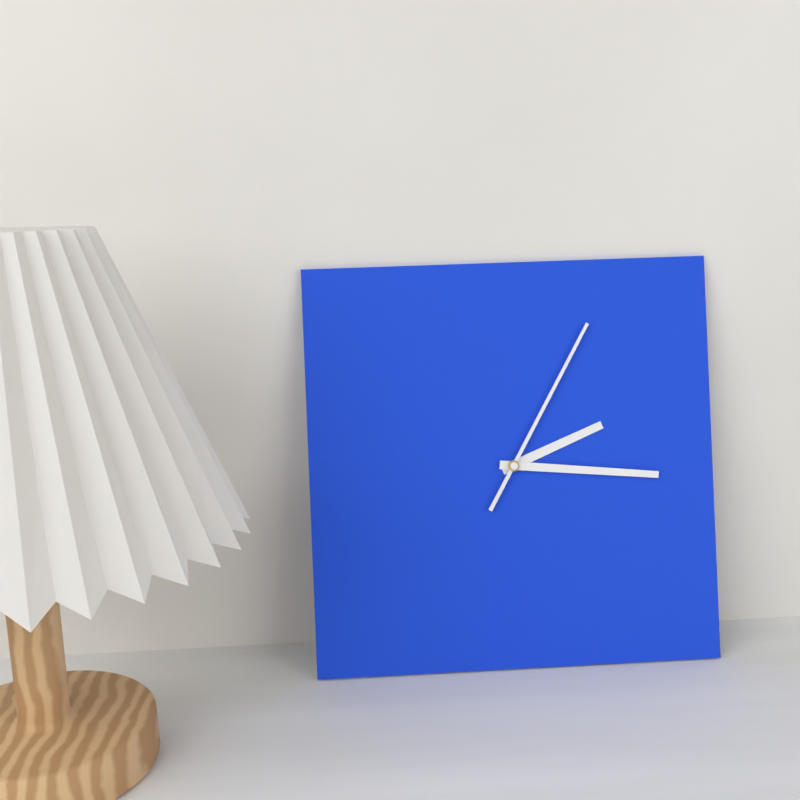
{"hour": 2, "minute": 16, "second": 5}
